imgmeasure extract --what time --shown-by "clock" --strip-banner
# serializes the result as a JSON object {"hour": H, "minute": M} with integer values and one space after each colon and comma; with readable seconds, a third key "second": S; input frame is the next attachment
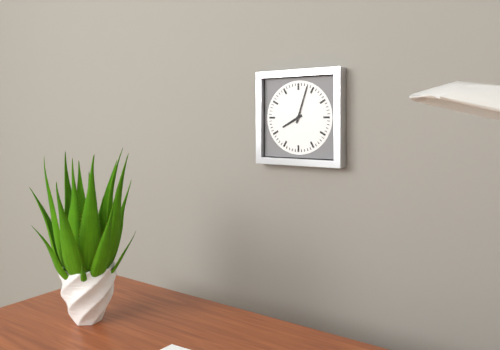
{"hour": 8, "minute": 3}
